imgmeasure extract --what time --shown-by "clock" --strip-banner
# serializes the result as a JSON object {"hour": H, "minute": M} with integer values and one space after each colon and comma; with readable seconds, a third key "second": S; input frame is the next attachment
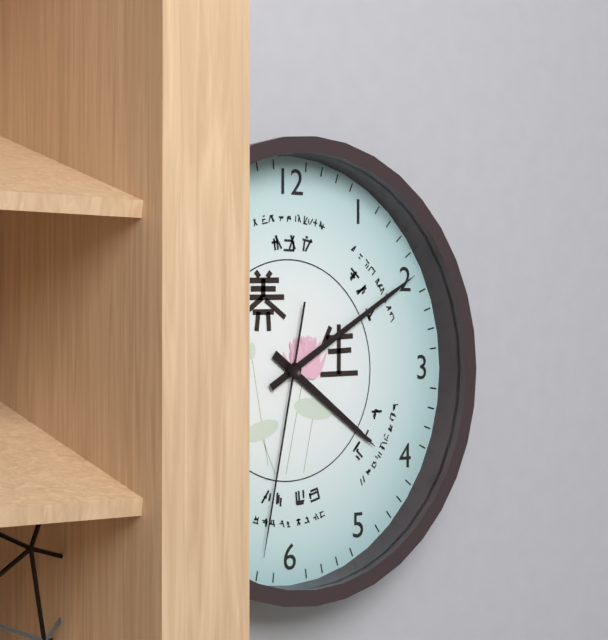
{"hour": 4, "minute": 10, "second": 32}
